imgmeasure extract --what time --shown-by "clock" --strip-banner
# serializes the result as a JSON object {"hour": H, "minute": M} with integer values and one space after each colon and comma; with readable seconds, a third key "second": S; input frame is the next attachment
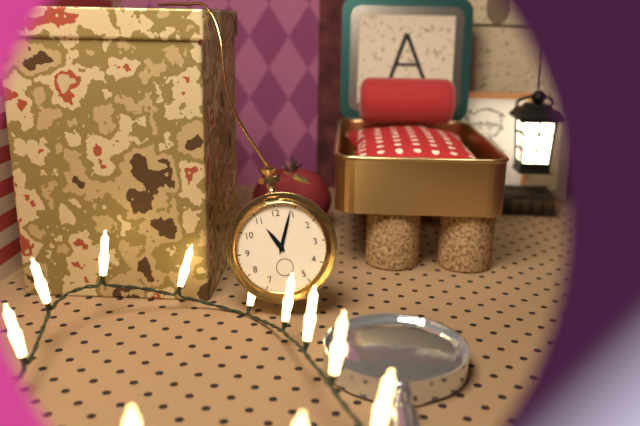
{"hour": 11, "minute": 4}
